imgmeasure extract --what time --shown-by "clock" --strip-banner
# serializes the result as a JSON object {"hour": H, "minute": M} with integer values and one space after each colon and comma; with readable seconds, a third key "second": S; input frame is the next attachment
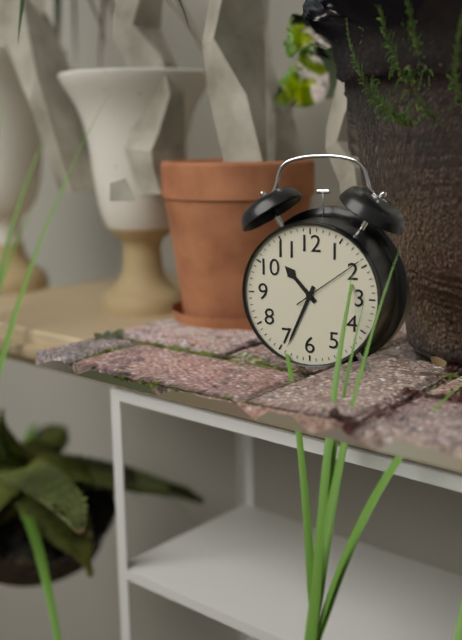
{"hour": 10, "minute": 34, "second": 9}
